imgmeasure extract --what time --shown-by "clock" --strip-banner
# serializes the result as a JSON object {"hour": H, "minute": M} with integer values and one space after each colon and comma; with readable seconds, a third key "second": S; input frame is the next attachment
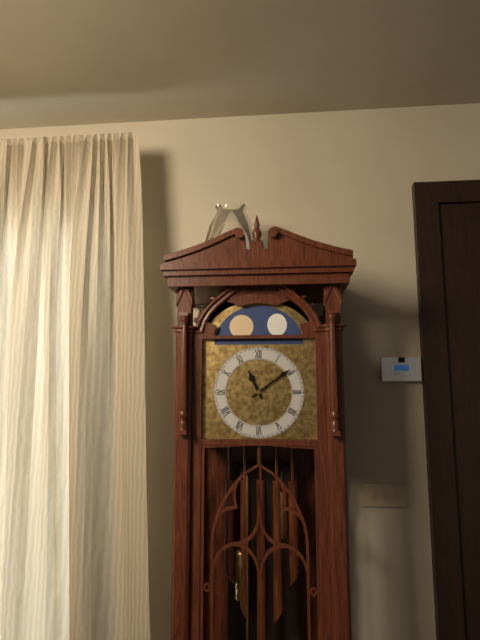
{"hour": 11, "minute": 9}
